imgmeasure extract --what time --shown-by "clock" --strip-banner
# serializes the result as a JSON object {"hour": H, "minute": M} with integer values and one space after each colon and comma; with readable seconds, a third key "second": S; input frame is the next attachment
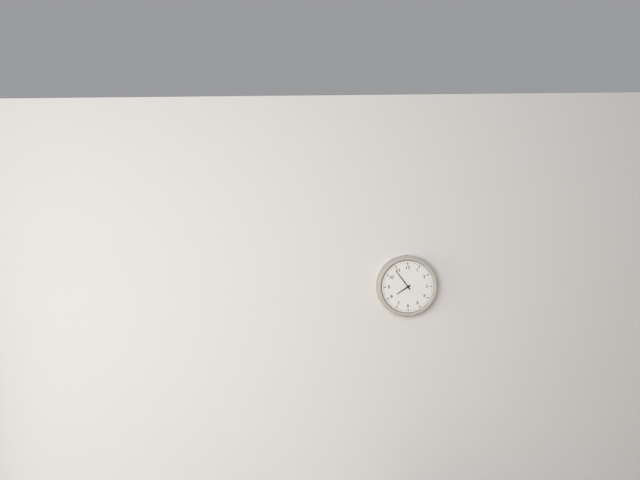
{"hour": 7, "minute": 54}
